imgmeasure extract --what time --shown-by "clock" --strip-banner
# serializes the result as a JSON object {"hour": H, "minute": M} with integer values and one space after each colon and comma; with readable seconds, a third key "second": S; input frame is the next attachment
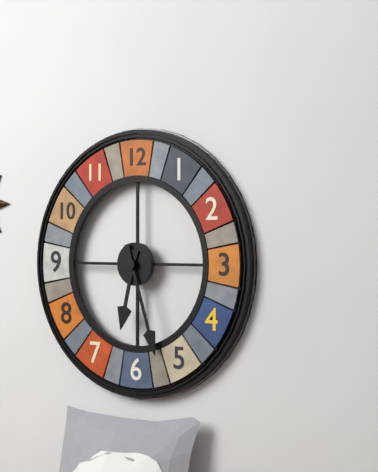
{"hour": 6, "minute": 27}
